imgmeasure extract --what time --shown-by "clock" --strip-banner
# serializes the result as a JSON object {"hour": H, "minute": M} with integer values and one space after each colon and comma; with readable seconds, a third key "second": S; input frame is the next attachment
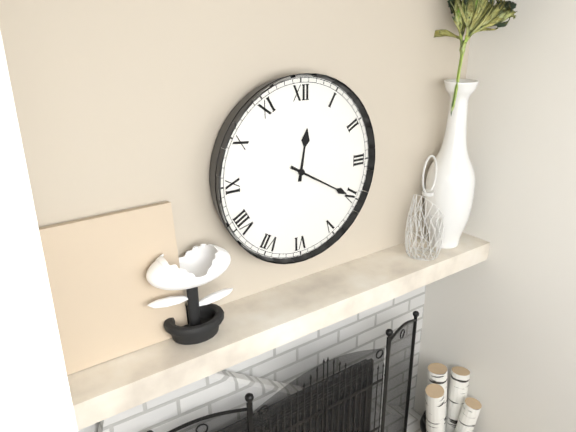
{"hour": 12, "minute": 20}
